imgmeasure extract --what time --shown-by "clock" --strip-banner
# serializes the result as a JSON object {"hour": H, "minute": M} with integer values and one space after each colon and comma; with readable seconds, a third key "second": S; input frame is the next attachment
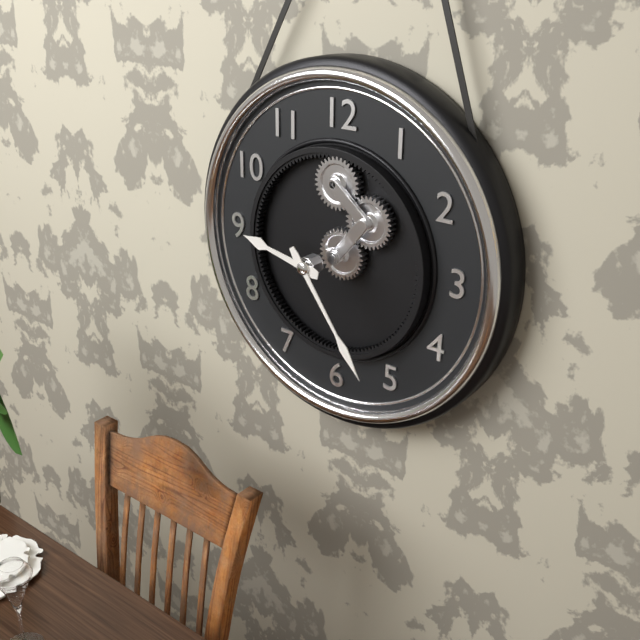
{"hour": 9, "minute": 24}
